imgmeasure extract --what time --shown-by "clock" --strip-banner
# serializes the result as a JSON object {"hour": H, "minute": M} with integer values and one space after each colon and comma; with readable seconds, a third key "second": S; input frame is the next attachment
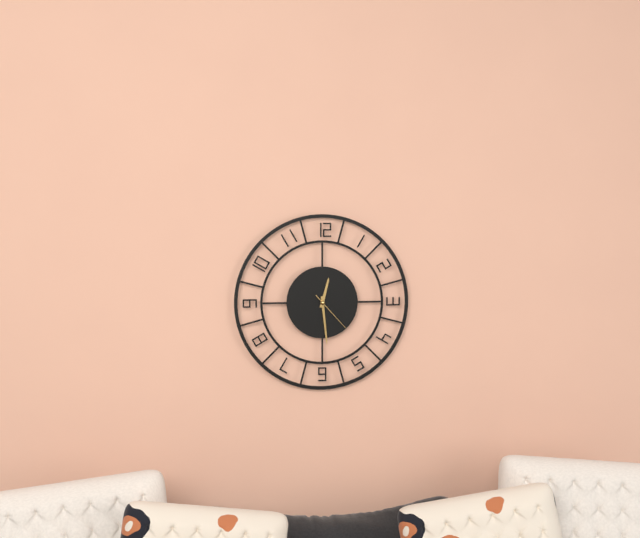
{"hour": 12, "minute": 29}
